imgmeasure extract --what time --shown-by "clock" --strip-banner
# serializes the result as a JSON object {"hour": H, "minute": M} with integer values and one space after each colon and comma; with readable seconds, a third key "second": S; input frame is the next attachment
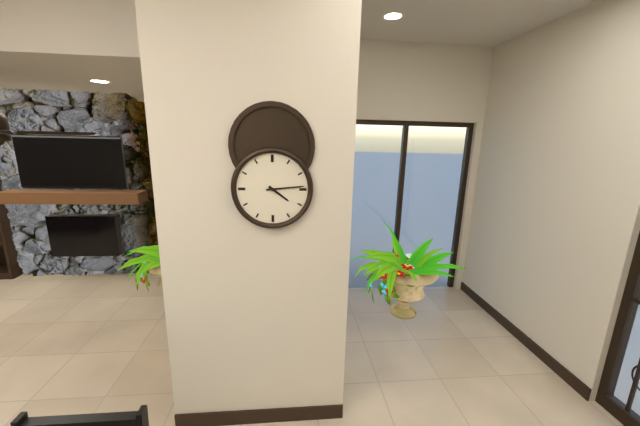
{"hour": 4, "minute": 14}
